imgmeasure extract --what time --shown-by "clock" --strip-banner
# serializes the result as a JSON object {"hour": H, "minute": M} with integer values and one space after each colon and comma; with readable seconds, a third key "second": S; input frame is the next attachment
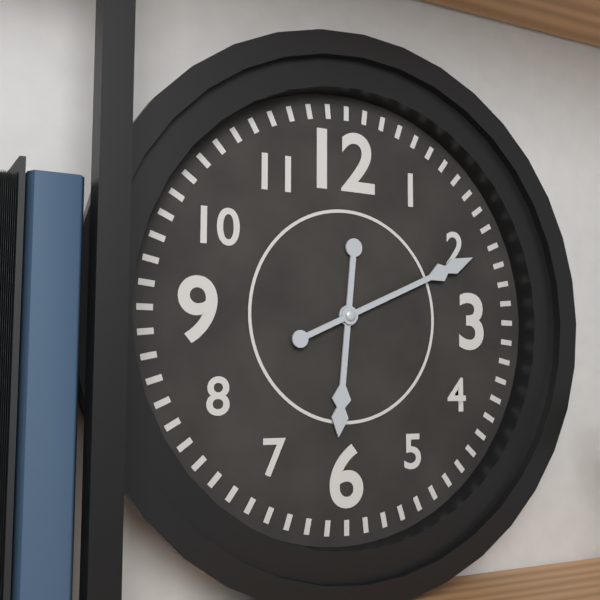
{"hour": 6, "minute": 11}
